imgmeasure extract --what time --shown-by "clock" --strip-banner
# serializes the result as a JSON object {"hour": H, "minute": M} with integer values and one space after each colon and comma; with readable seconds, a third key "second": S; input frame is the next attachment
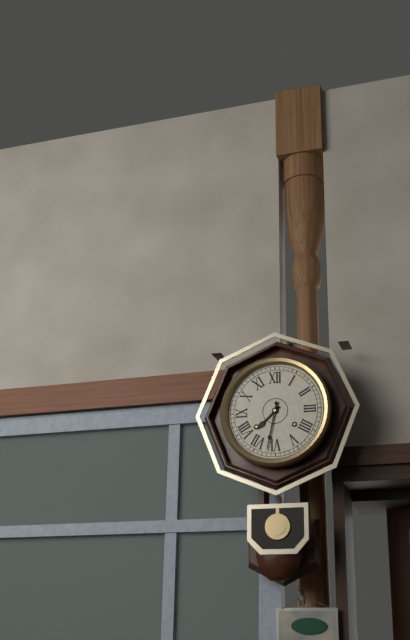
{"hour": 7, "minute": 32}
